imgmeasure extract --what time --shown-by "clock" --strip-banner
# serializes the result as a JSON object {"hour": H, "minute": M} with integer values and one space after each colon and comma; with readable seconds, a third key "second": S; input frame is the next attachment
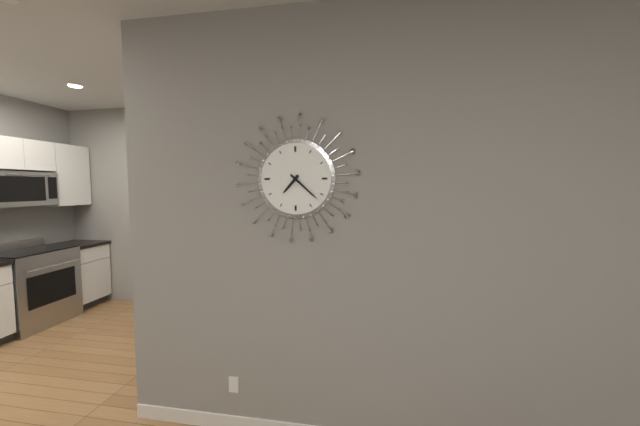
{"hour": 7, "minute": 22}
